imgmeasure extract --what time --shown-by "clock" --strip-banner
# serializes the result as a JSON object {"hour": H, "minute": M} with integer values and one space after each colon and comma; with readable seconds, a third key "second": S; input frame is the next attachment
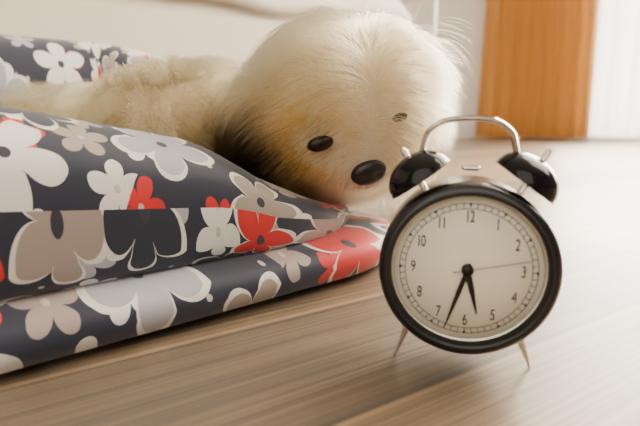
{"hour": 5, "minute": 33, "second": 13}
